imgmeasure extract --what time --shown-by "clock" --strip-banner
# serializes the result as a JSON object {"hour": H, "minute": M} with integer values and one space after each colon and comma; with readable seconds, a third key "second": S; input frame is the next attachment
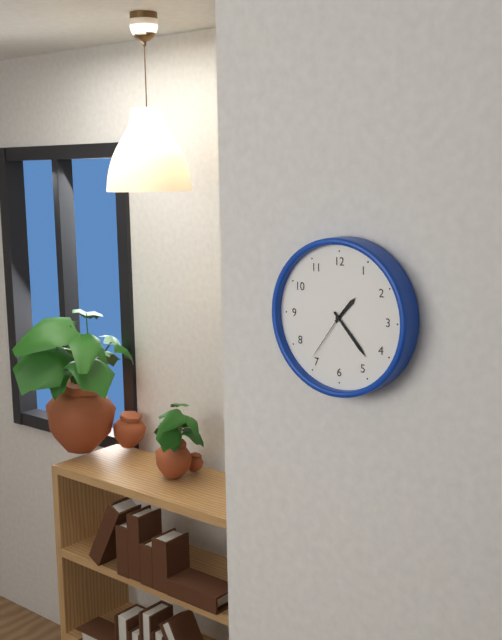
{"hour": 1, "minute": 23, "second": 36}
